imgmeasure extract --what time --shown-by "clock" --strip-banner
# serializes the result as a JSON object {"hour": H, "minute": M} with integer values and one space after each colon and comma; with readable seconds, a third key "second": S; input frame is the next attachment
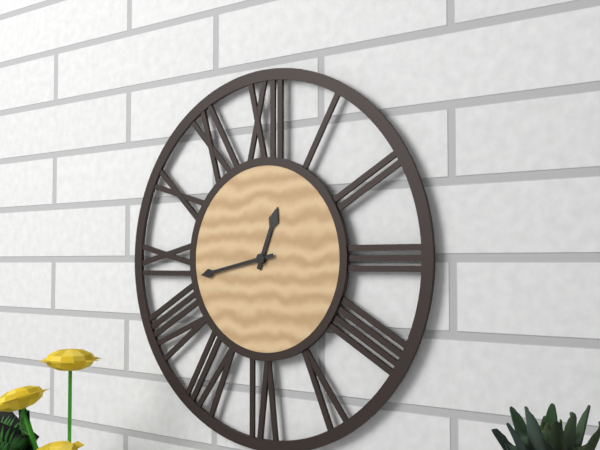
{"hour": 12, "minute": 43}
